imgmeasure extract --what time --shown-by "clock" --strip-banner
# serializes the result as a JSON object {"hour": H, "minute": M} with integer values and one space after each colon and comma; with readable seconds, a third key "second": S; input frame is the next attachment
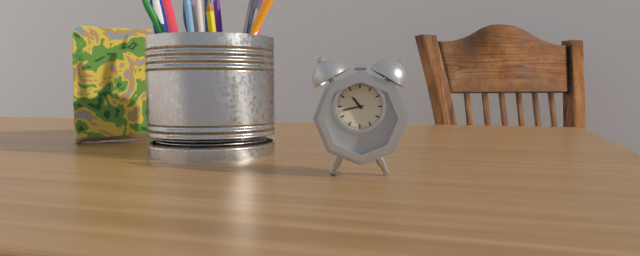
{"hour": 10, "minute": 43}
